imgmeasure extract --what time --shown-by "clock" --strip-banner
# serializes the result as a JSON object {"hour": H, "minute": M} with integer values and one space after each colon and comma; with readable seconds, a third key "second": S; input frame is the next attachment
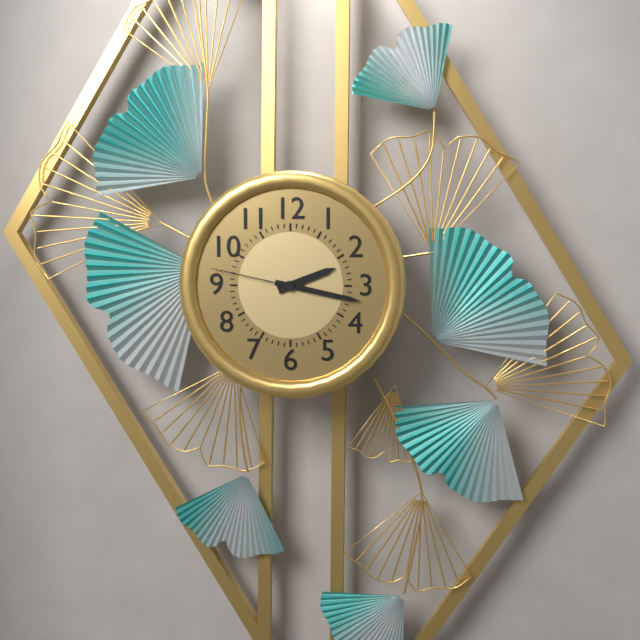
{"hour": 2, "minute": 17, "second": 47}
